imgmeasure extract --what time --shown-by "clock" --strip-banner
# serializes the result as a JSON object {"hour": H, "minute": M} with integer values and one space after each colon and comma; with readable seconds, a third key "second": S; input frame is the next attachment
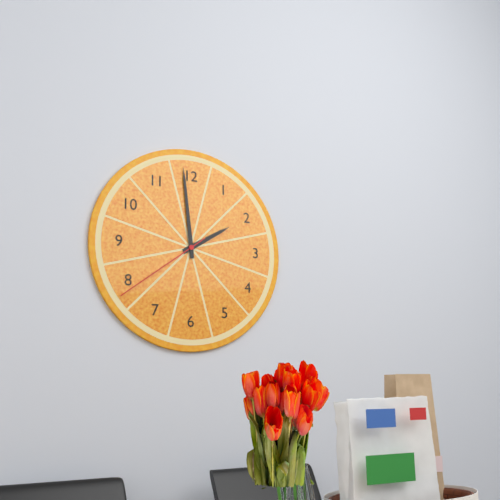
{"hour": 1, "minute": 59, "second": 39}
